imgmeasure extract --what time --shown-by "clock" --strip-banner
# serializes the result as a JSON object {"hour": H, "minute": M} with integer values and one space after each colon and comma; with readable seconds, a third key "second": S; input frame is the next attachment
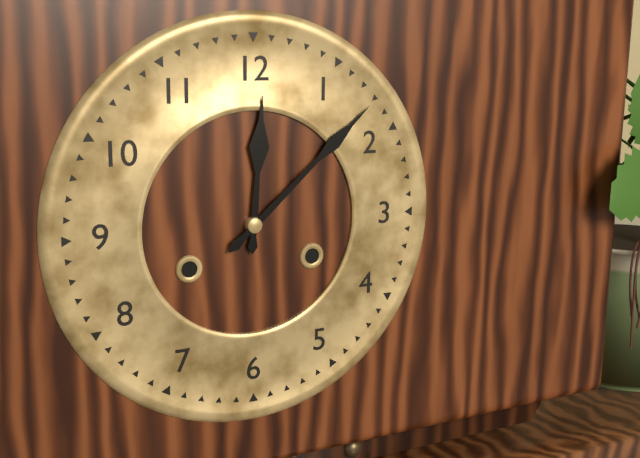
{"hour": 12, "minute": 8}
